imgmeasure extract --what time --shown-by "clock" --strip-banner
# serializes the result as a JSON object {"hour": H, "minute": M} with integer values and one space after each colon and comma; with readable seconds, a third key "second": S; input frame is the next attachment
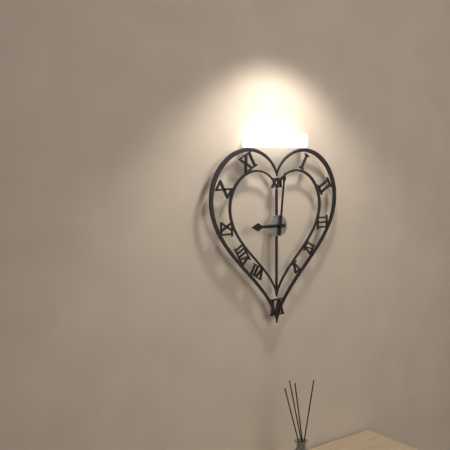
{"hour": 9, "minute": 1}
